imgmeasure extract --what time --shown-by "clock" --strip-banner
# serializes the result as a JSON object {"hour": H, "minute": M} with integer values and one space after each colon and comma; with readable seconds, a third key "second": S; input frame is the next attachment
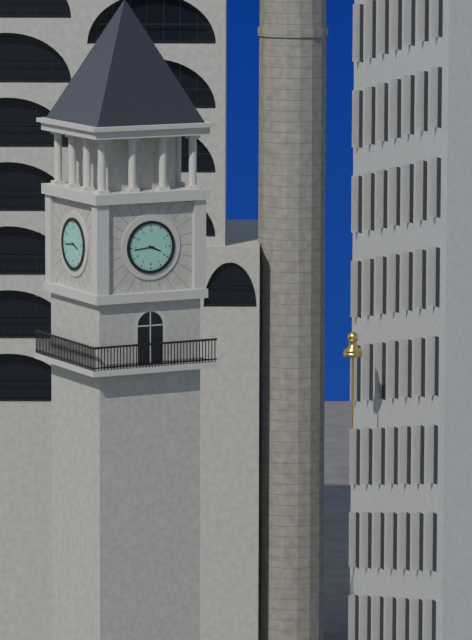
{"hour": 3, "minute": 44}
